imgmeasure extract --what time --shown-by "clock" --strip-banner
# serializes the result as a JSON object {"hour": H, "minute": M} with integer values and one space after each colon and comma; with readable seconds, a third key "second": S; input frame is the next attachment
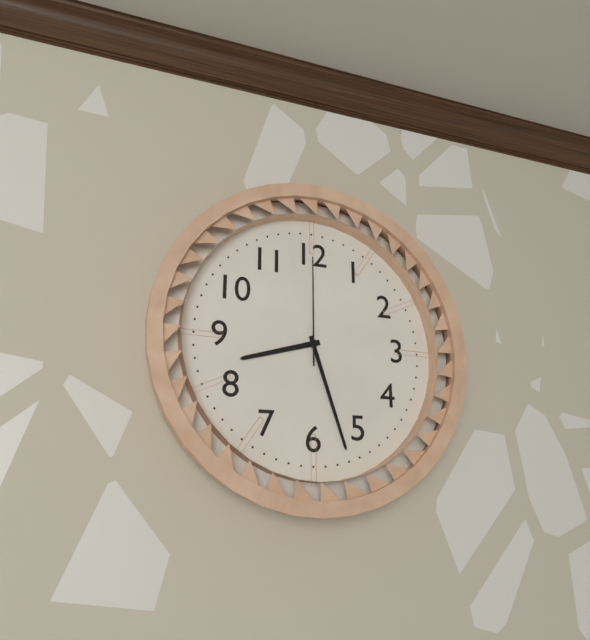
{"hour": 8, "minute": 27, "second": 0}
